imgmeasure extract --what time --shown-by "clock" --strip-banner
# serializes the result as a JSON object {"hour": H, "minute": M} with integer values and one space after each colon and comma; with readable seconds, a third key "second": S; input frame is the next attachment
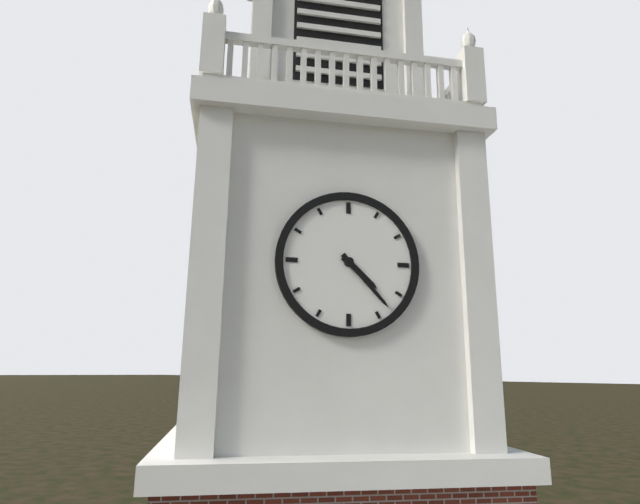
{"hour": 4, "minute": 23}
